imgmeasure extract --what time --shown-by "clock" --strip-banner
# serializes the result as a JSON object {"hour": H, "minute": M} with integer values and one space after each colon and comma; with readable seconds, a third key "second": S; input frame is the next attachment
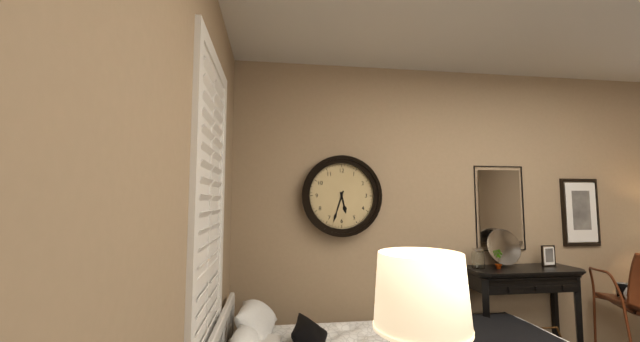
{"hour": 5, "minute": 33}
